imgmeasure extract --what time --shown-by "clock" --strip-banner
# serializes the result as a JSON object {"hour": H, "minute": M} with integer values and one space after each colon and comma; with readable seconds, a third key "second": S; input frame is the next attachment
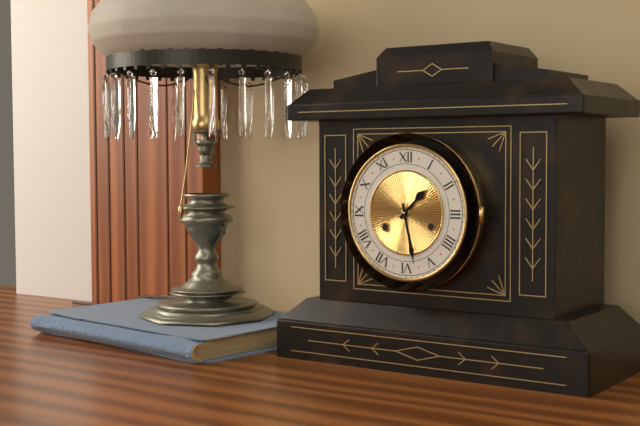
{"hour": 1, "minute": 28}
